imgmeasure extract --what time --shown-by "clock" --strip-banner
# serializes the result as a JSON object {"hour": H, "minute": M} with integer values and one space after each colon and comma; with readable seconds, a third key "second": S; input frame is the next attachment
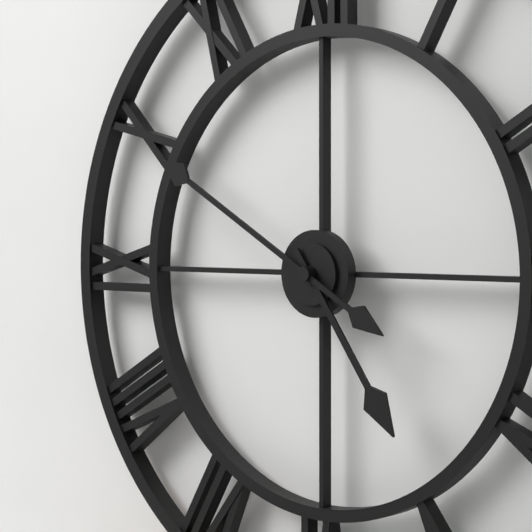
{"hour": 4, "minute": 50}
